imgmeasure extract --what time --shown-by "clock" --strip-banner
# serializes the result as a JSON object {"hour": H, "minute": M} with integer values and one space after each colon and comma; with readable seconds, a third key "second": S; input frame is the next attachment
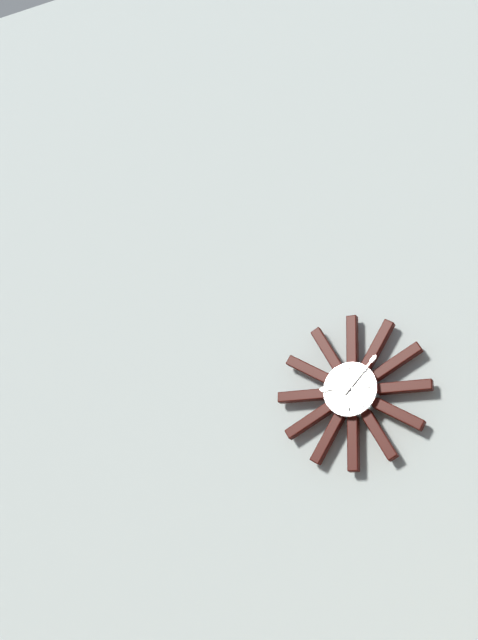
{"hour": 9, "minute": 7}
